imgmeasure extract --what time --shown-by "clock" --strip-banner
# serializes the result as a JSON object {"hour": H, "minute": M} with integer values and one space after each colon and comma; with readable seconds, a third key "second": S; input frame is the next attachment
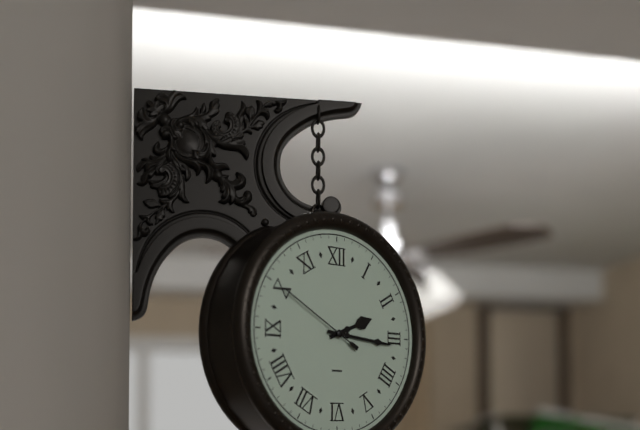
{"hour": 2, "minute": 16, "second": 50}
